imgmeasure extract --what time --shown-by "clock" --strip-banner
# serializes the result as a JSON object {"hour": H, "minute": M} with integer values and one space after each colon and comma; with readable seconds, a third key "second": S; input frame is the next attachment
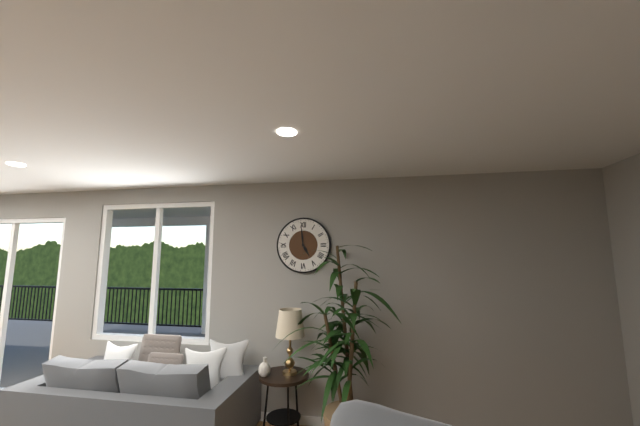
{"hour": 4, "minute": 59}
